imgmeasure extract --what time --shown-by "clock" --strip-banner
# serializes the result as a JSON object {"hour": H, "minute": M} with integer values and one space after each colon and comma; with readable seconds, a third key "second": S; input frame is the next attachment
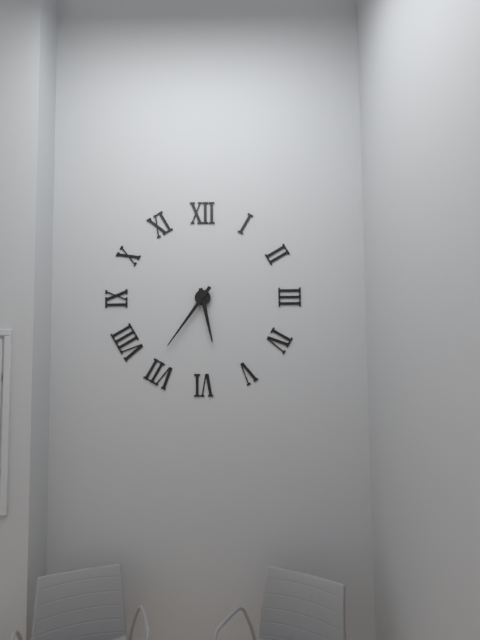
{"hour": 5, "minute": 36}
